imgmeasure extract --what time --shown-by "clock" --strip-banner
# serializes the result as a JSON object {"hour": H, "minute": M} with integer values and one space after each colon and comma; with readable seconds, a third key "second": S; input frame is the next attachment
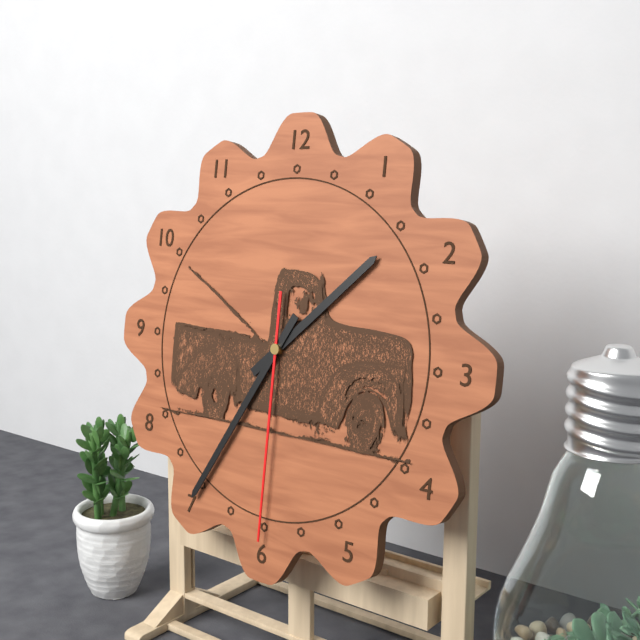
{"hour": 1, "minute": 35, "second": 30}
